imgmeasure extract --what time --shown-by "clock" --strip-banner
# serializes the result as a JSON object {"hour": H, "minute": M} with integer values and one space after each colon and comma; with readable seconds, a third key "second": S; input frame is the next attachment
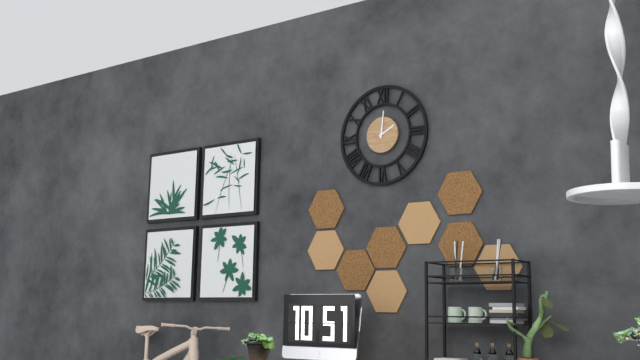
{"hour": 2, "minute": 1}
